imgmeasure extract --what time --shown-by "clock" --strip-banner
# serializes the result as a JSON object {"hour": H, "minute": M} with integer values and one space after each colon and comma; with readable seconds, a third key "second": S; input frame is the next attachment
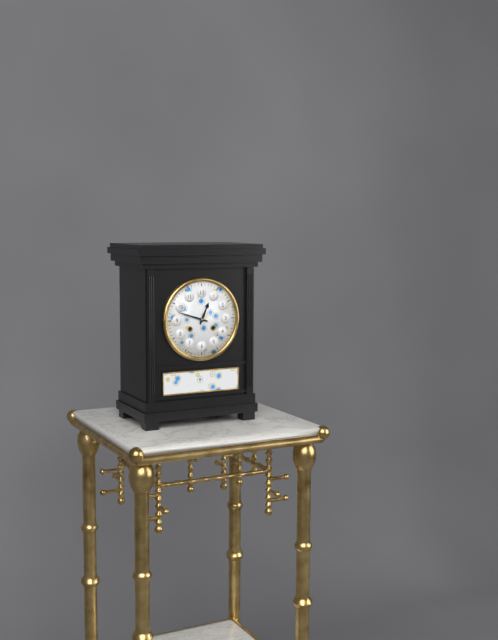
{"hour": 12, "minute": 48}
